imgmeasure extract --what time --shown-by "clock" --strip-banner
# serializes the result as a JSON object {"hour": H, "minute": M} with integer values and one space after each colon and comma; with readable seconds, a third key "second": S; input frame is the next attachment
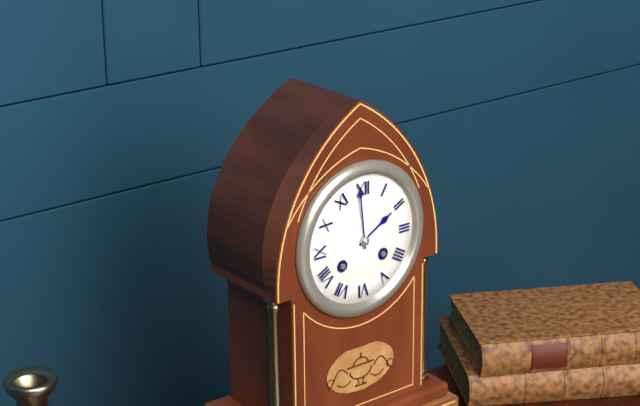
{"hour": 1, "minute": 59}
